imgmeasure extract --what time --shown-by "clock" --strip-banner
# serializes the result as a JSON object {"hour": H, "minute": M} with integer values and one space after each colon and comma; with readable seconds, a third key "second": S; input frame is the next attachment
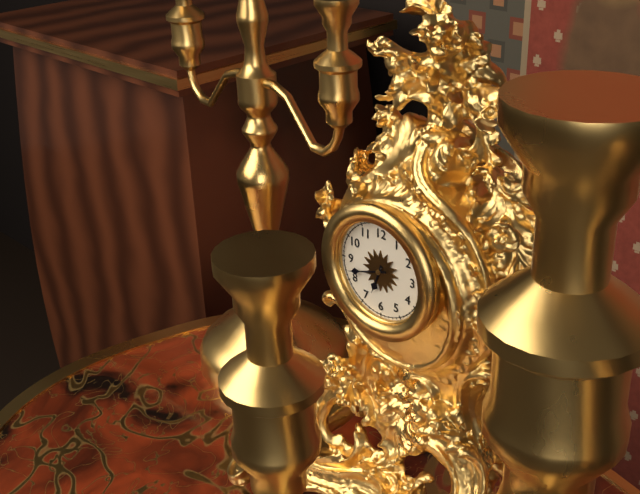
{"hour": 6, "minute": 42}
